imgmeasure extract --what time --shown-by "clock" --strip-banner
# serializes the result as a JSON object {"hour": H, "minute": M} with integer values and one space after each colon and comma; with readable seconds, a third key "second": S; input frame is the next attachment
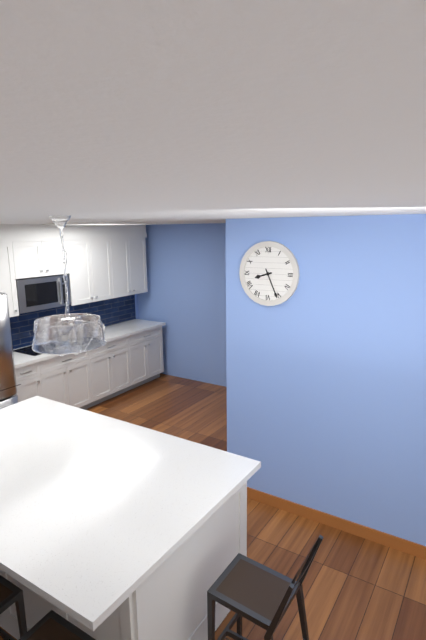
{"hour": 8, "minute": 26}
